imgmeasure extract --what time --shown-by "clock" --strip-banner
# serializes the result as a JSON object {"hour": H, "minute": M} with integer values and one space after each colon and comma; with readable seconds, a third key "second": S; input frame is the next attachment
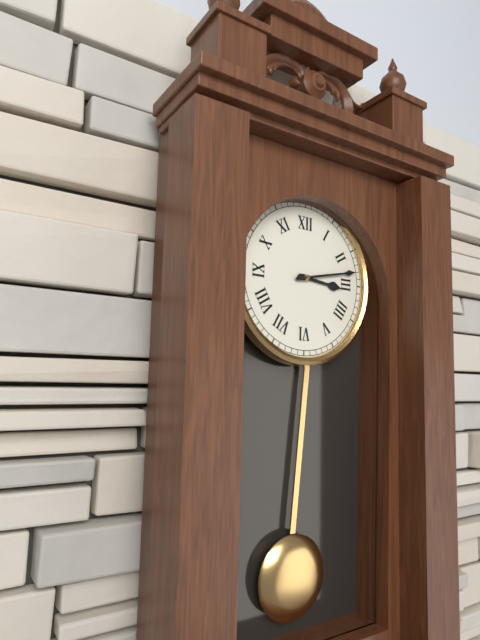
{"hour": 3, "minute": 13}
